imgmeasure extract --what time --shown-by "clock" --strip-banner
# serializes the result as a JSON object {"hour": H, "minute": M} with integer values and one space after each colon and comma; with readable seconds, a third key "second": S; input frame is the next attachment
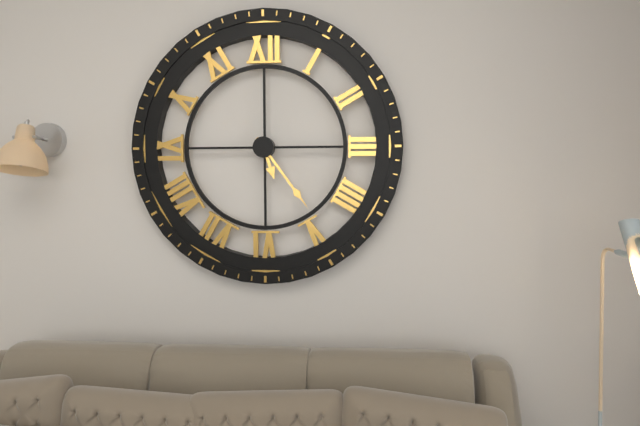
{"hour": 5, "minute": 24}
